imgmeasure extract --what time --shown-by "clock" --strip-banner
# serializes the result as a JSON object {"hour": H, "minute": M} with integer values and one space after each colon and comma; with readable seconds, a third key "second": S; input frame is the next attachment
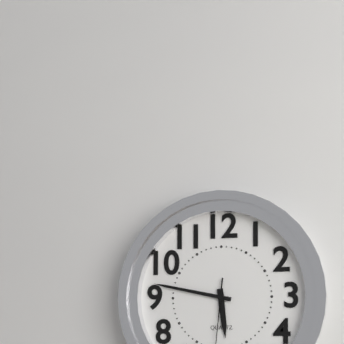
{"hour": 5, "minute": 47}
